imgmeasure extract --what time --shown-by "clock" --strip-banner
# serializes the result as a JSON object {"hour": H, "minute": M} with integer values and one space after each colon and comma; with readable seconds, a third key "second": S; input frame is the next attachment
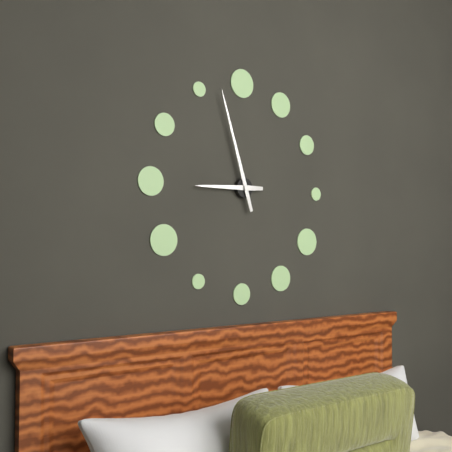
{"hour": 8, "minute": 57}
